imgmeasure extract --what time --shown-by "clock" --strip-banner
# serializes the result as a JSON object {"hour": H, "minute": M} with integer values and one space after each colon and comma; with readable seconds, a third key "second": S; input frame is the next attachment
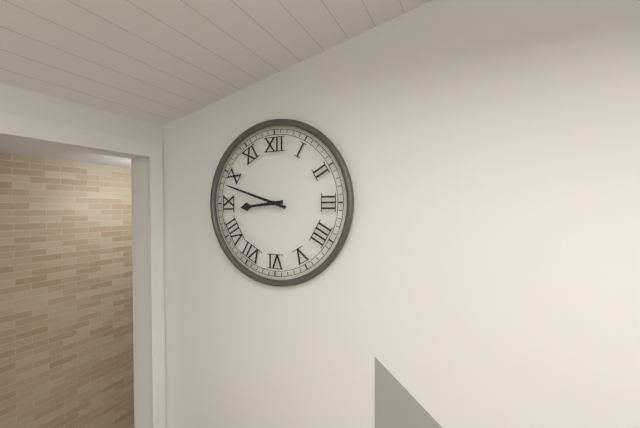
{"hour": 8, "minute": 48}
